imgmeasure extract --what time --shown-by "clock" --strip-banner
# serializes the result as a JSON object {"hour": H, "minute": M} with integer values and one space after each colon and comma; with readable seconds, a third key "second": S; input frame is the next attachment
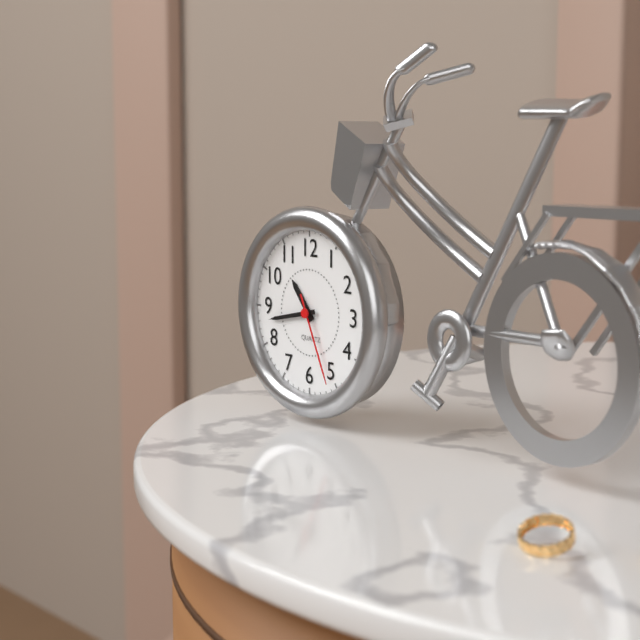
{"hour": 10, "minute": 43, "second": 26}
